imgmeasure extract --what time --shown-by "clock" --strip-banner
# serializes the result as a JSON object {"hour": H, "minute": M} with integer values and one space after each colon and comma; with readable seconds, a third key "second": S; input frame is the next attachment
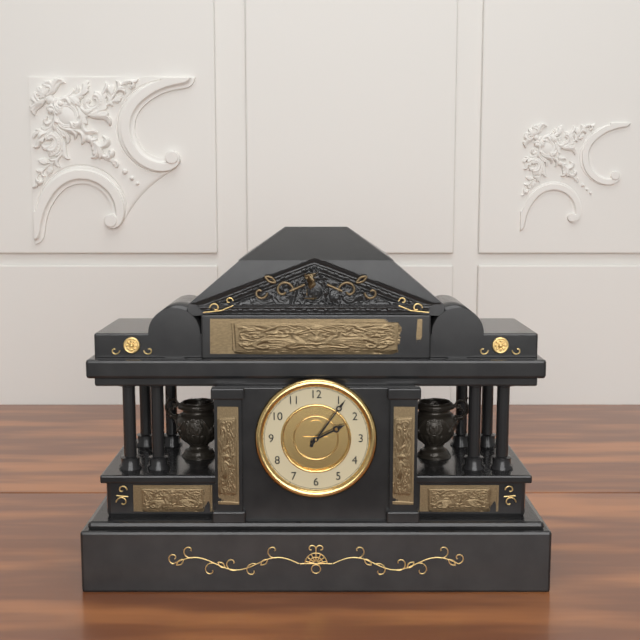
{"hour": 2, "minute": 6}
